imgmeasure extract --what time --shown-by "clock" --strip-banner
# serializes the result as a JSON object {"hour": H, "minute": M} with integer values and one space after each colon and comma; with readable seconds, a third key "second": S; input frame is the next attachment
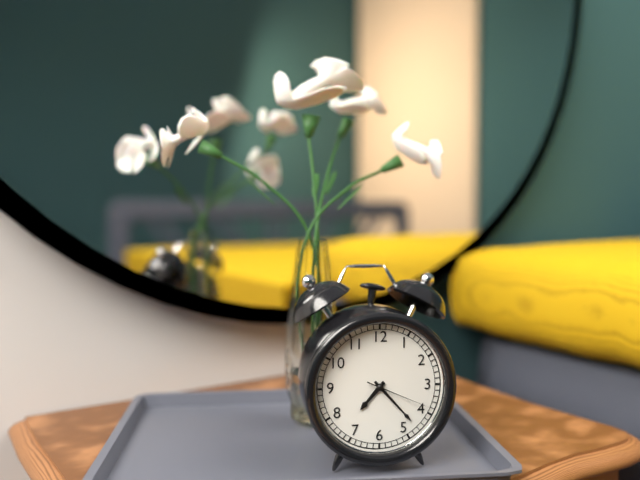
{"hour": 7, "minute": 23, "second": 19}
